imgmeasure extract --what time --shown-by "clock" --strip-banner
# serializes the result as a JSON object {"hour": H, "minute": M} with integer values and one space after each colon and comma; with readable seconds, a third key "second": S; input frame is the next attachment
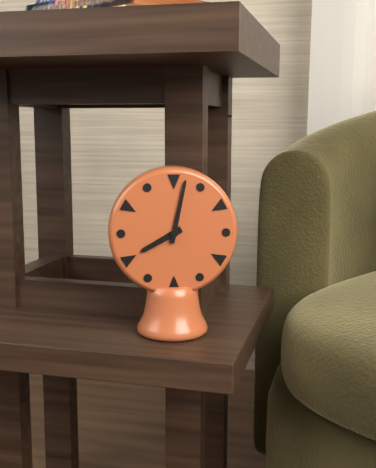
{"hour": 8, "minute": 2}
